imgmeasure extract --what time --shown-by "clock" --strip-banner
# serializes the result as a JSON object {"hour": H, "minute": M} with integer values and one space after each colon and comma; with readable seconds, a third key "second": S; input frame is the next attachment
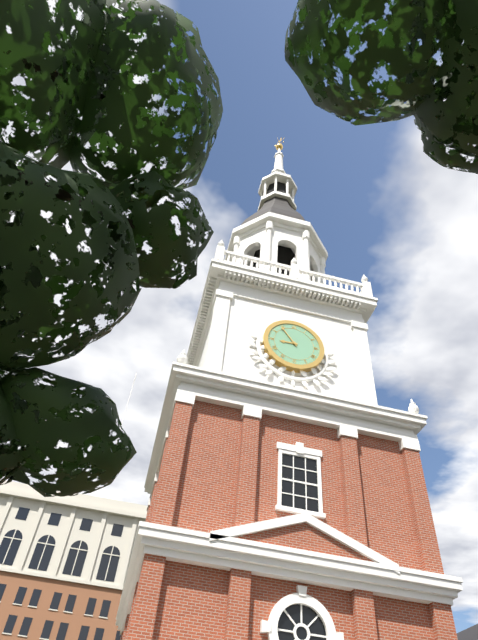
{"hour": 8, "minute": 54}
